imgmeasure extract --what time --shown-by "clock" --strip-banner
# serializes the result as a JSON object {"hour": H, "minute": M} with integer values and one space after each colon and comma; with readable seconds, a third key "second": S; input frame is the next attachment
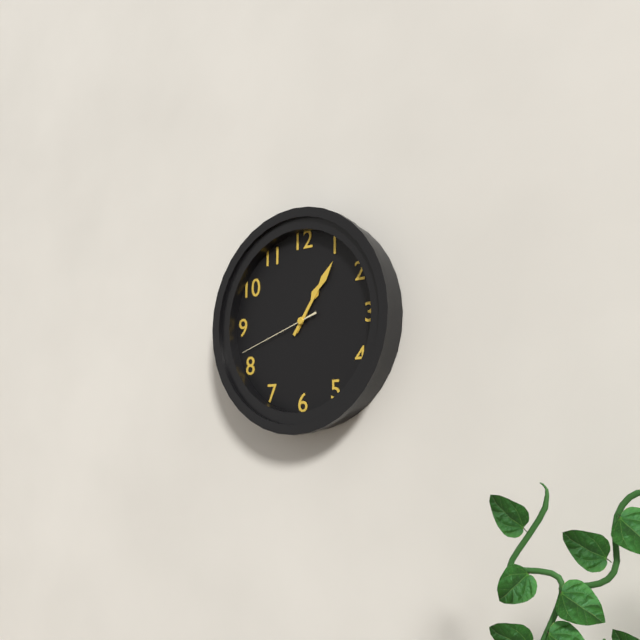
{"hour": 1, "minute": 6, "second": 42}
